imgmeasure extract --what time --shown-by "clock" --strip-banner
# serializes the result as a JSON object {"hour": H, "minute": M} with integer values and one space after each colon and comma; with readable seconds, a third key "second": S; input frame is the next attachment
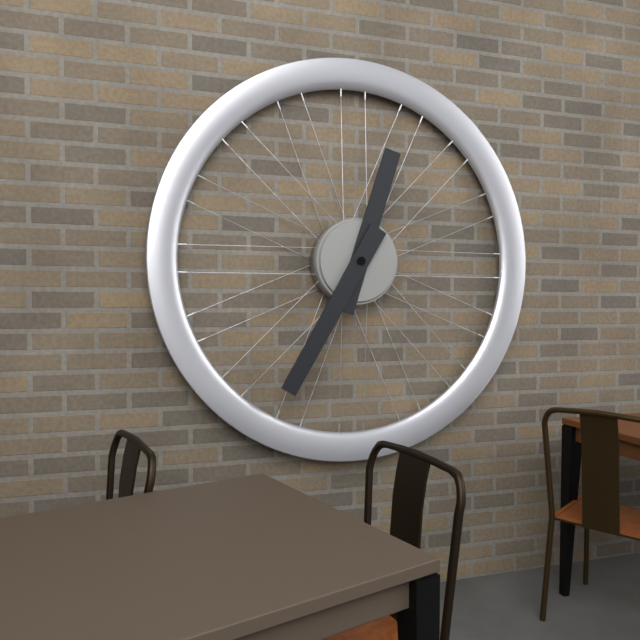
{"hour": 12, "minute": 35}
